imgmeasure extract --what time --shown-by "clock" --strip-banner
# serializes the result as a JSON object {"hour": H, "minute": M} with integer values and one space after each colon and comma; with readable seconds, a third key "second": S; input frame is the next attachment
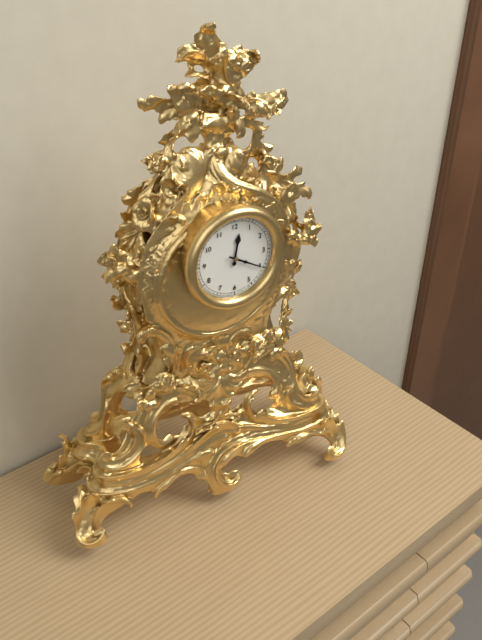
{"hour": 12, "minute": 20}
